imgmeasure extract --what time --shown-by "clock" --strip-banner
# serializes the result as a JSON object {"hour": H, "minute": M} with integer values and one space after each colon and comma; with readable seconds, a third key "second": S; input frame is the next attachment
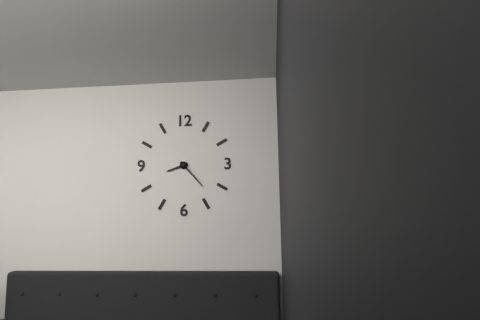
{"hour": 8, "minute": 23}
